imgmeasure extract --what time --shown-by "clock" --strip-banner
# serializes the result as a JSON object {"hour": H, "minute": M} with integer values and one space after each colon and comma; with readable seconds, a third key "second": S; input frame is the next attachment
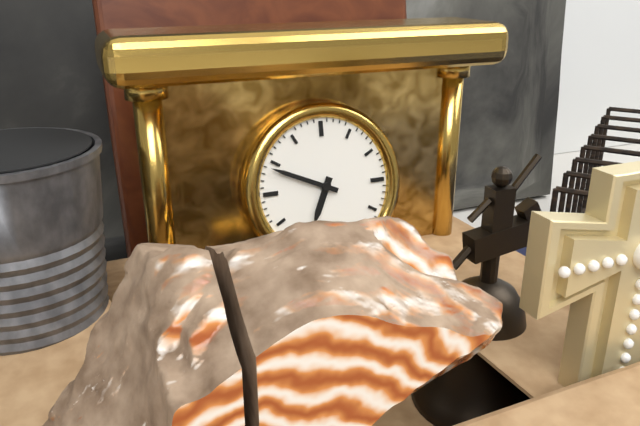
{"hour": 6, "minute": 49}
